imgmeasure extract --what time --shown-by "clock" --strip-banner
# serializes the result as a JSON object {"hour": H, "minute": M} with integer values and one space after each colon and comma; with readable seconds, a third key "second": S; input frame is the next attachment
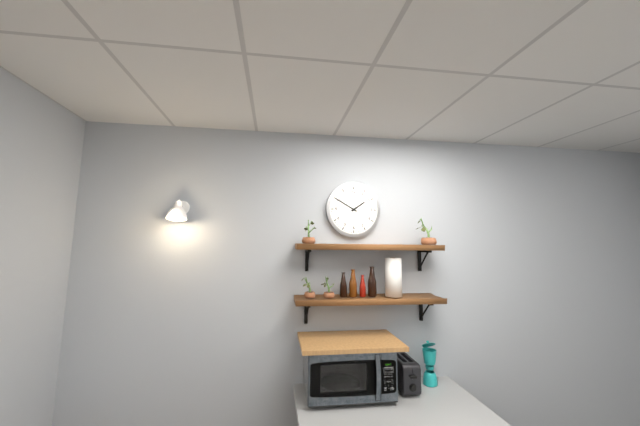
{"hour": 1, "minute": 50}
